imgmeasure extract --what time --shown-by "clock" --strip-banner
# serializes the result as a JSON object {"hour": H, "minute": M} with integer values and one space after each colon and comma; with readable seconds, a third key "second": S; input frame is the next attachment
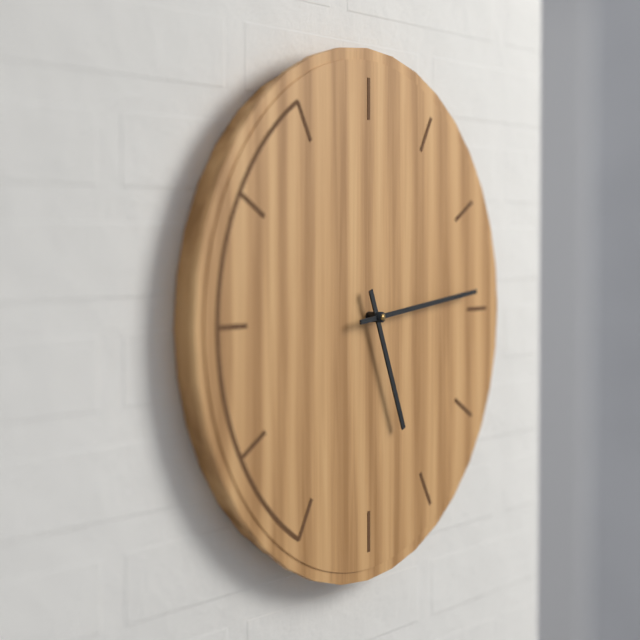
{"hour": 5, "minute": 14}
